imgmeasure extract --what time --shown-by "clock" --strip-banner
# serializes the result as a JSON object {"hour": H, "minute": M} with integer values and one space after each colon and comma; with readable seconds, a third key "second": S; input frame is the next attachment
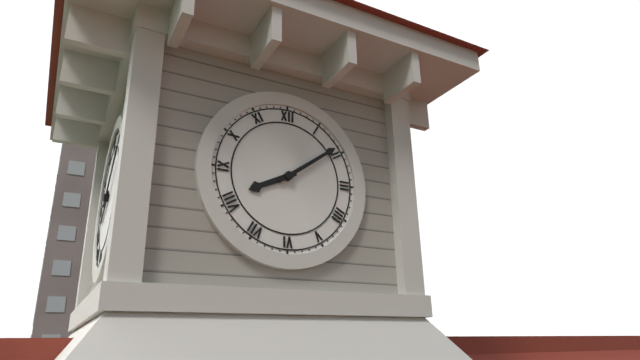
{"hour": 8, "minute": 9}
